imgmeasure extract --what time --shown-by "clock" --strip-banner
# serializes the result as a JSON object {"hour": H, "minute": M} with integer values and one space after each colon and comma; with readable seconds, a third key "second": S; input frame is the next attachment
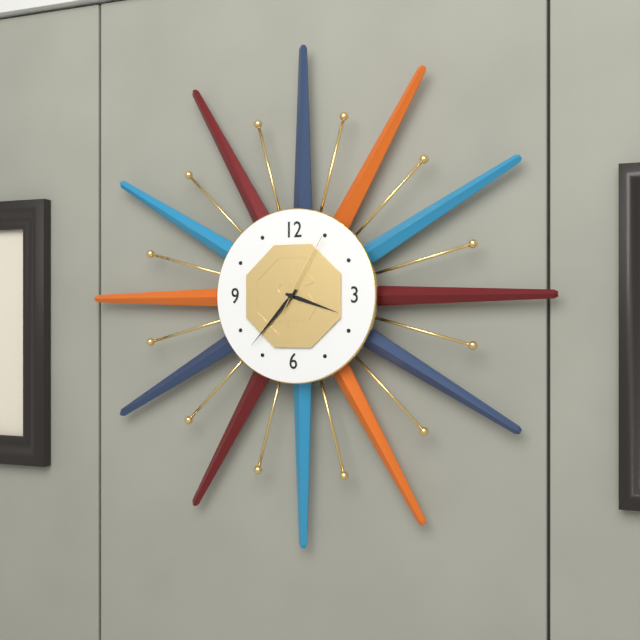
{"hour": 3, "minute": 37, "second": 5}
